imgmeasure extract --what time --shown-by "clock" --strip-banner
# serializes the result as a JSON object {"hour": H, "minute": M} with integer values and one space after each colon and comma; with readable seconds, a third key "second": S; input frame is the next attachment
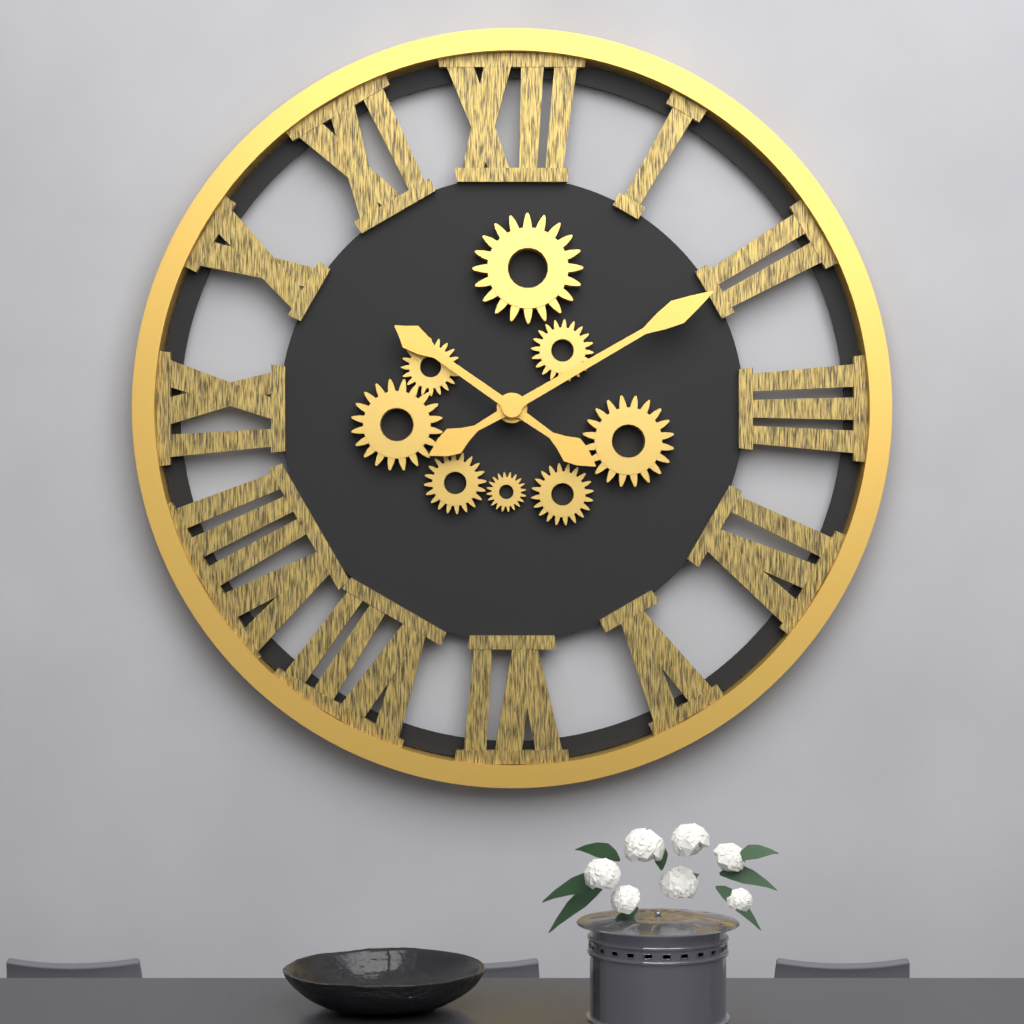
{"hour": 10, "minute": 10}
